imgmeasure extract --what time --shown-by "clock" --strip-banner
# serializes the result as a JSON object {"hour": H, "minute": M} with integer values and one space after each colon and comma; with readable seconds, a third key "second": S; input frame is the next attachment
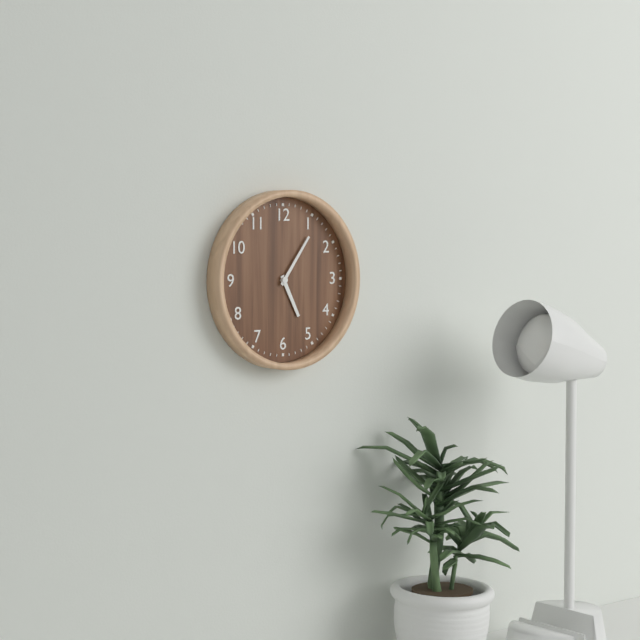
{"hour": 5, "minute": 6}
